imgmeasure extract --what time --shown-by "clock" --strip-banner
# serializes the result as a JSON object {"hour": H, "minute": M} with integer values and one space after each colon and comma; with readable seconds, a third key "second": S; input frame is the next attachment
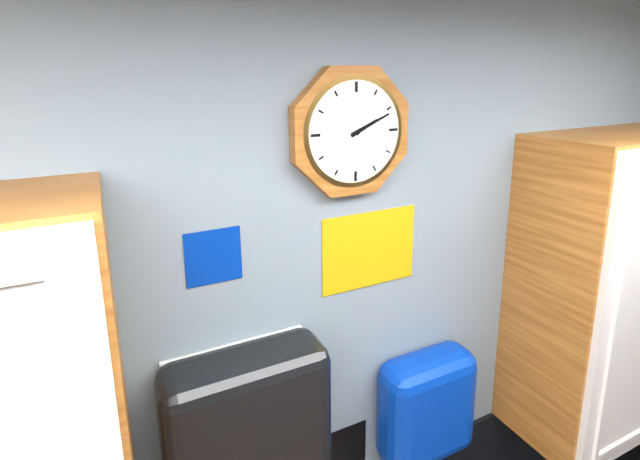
{"hour": 2, "minute": 11}
